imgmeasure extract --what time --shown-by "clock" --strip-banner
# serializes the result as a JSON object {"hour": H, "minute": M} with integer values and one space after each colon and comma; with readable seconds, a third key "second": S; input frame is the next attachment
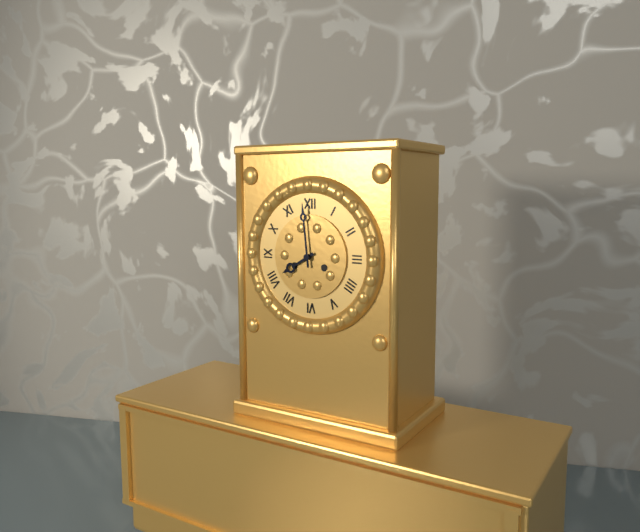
{"hour": 7, "minute": 59}
